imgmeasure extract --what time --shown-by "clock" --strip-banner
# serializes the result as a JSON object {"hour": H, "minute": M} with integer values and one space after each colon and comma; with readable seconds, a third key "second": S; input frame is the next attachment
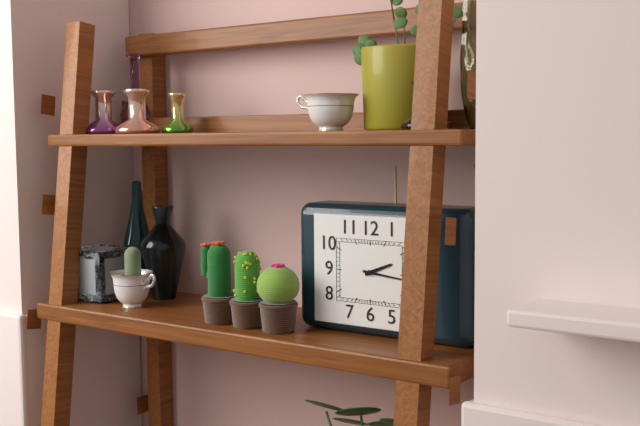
{"hour": 2, "minute": 16}
